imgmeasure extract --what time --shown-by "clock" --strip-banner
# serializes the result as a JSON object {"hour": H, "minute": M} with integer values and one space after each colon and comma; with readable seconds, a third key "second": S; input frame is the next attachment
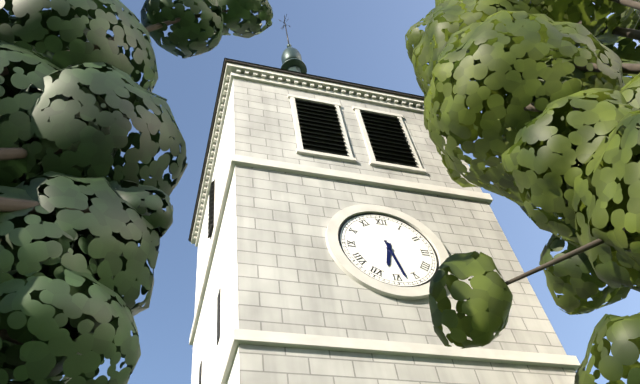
{"hour": 6, "minute": 28}
